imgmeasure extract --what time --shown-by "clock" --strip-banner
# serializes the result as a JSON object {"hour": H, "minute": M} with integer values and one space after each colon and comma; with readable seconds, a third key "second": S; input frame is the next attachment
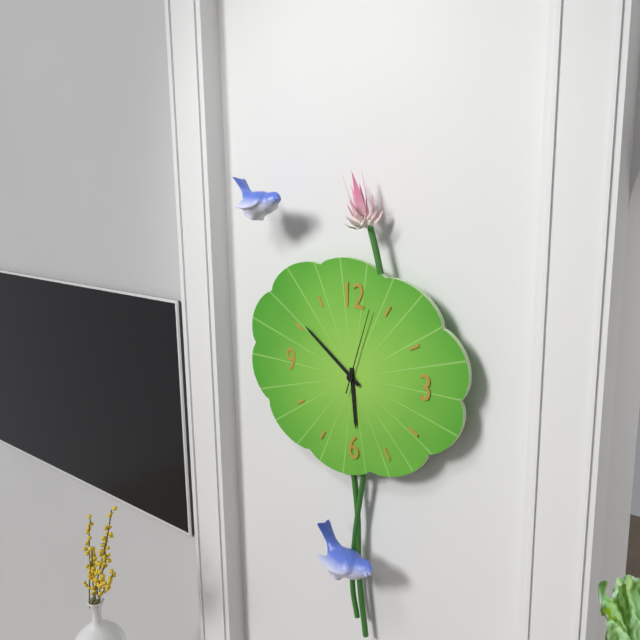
{"hour": 5, "minute": 51, "second": 3}
